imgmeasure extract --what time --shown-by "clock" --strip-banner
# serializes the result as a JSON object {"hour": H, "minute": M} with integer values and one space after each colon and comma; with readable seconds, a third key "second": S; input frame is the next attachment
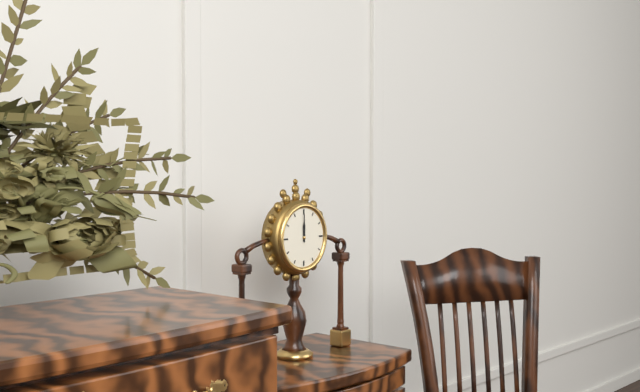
{"hour": 12, "minute": 0}
